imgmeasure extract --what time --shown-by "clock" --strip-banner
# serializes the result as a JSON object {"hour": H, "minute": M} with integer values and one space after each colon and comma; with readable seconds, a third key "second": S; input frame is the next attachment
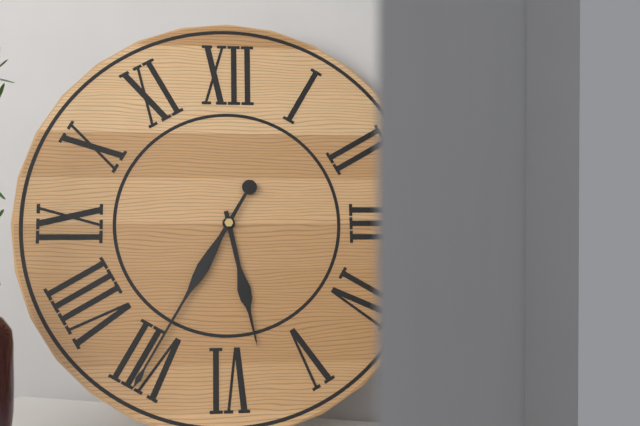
{"hour": 5, "minute": 35}
